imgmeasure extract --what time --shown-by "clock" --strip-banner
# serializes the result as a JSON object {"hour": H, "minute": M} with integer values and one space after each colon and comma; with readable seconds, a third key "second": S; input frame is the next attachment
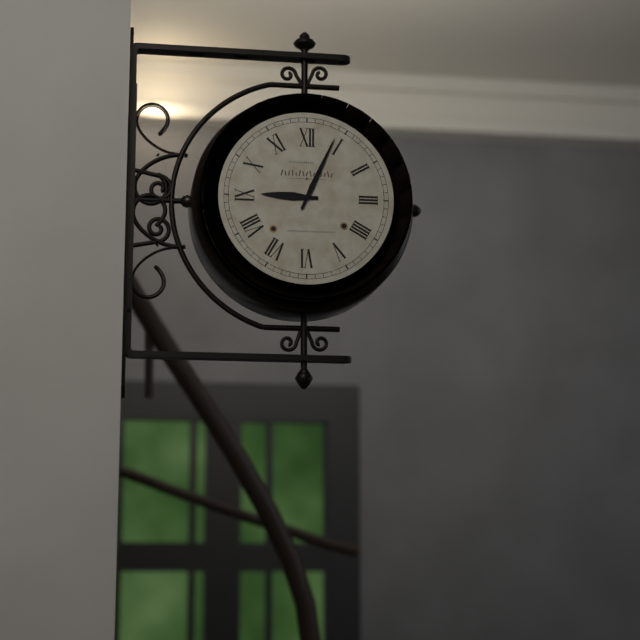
{"hour": 9, "minute": 4}
